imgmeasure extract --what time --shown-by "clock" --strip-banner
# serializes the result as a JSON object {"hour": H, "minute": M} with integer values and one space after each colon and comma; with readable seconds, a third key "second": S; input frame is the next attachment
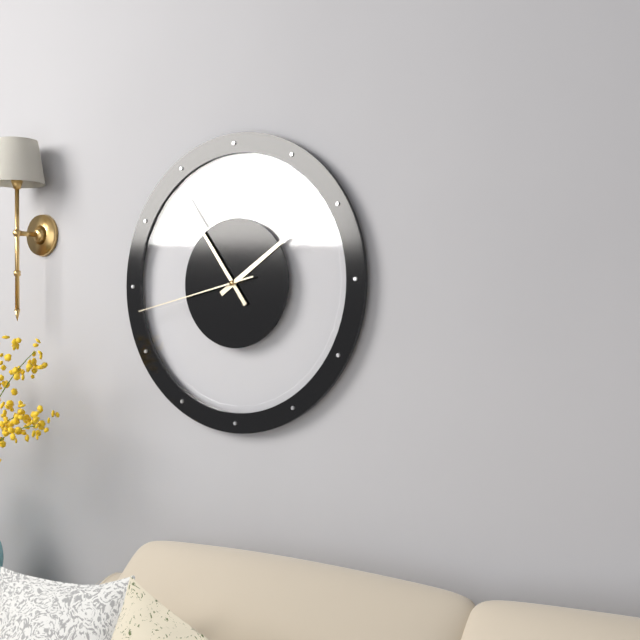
{"hour": 1, "minute": 54, "second": 43}
